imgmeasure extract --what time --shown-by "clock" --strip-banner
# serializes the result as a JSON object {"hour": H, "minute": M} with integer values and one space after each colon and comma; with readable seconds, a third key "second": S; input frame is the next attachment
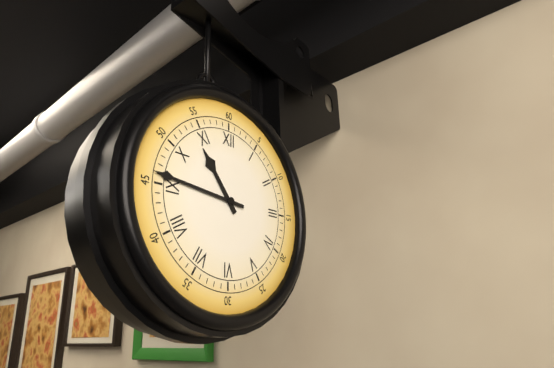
{"hour": 10, "minute": 46}
